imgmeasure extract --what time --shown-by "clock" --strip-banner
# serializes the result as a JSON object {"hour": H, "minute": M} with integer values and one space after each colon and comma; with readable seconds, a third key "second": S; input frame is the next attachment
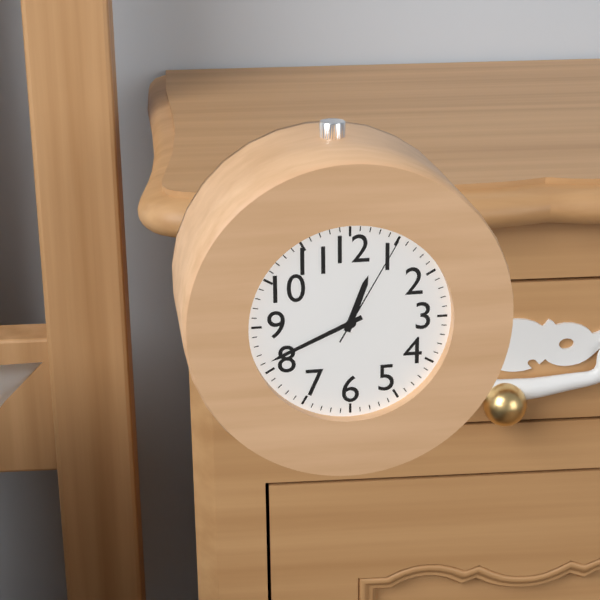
{"hour": 12, "minute": 41, "second": 5}
